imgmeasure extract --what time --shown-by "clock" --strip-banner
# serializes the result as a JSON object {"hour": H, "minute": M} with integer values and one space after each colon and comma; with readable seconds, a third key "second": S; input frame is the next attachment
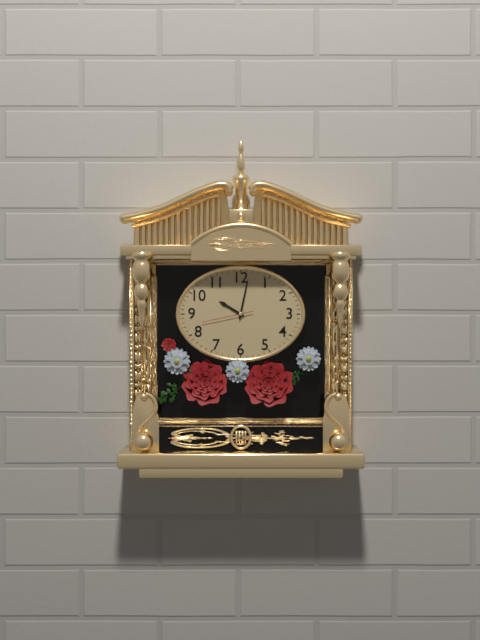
{"hour": 10, "minute": 2}
